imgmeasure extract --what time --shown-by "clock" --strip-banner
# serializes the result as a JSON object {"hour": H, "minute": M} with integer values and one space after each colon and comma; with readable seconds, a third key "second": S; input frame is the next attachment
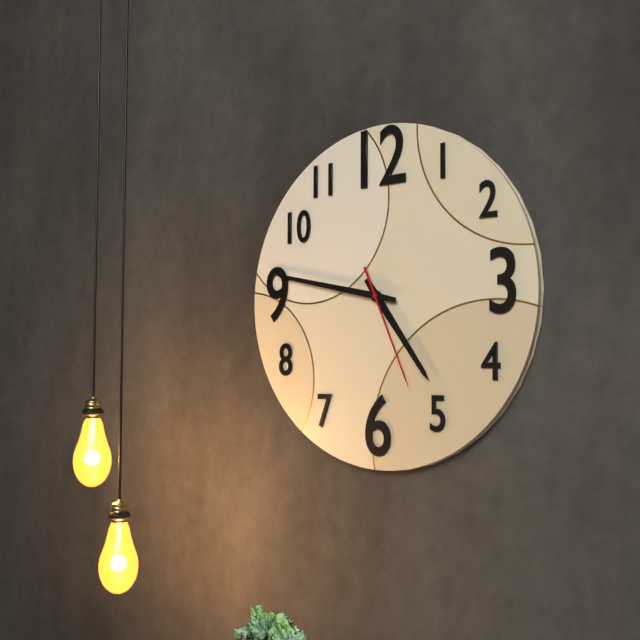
{"hour": 4, "minute": 47, "second": 26}
